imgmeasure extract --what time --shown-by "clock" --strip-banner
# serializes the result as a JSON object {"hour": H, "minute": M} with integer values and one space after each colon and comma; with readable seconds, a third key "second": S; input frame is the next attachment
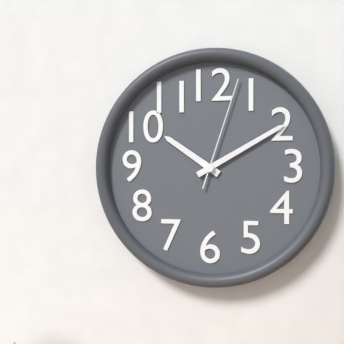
{"hour": 10, "minute": 10, "second": 3}
